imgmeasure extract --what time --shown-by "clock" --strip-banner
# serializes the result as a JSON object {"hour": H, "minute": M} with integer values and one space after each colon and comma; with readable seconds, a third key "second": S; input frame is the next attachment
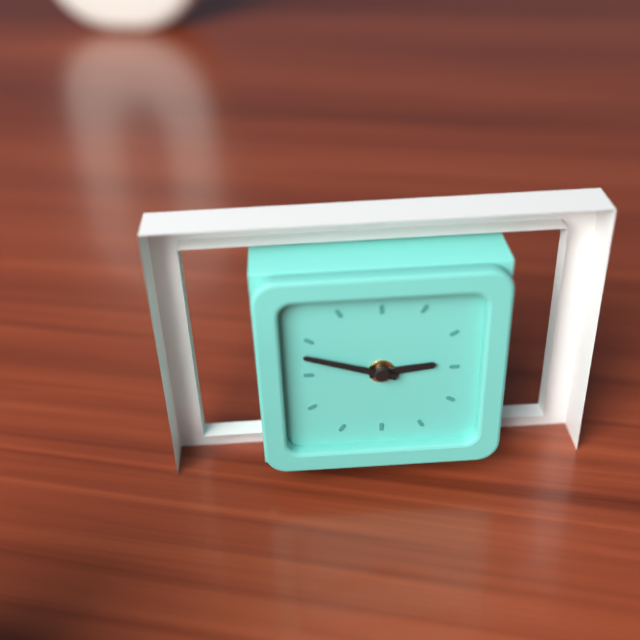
{"hour": 2, "minute": 48}
